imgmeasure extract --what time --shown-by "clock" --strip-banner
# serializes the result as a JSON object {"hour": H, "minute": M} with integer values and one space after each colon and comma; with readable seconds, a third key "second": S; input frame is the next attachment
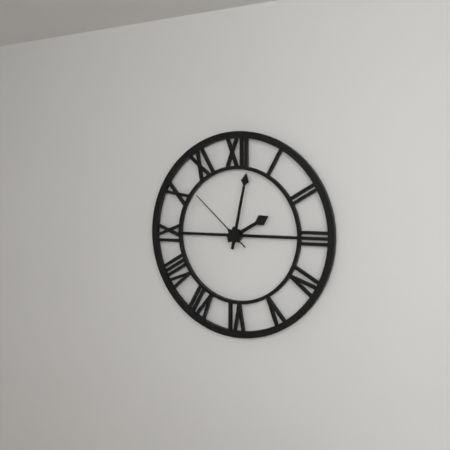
{"hour": 2, "minute": 2, "second": 52}
